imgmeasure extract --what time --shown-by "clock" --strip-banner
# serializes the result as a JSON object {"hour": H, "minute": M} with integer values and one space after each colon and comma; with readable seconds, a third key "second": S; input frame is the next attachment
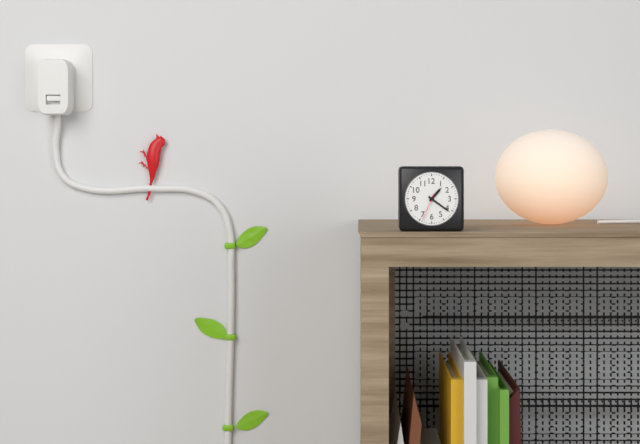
{"hour": 1, "minute": 21}
